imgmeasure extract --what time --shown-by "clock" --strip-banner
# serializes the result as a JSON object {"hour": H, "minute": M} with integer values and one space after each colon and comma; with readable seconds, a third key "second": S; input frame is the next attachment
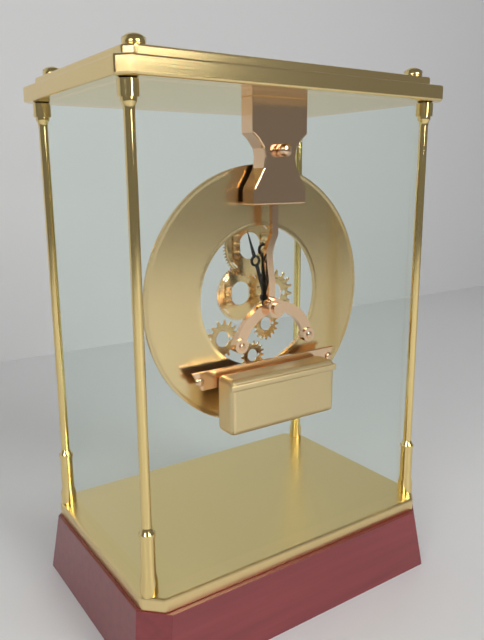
{"hour": 11, "minute": 57}
